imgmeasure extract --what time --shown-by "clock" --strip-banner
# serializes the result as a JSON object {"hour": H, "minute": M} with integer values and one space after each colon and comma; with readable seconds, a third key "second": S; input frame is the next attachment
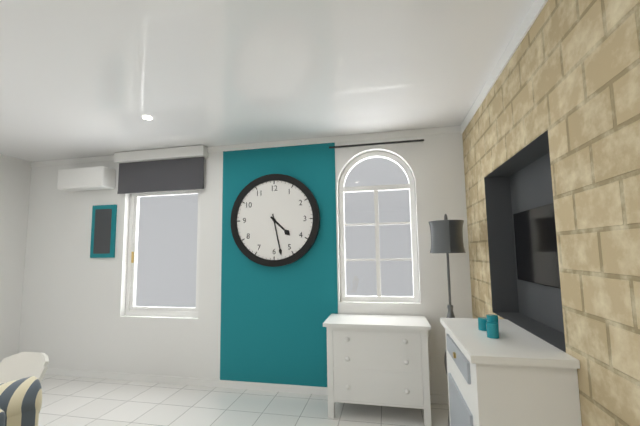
{"hour": 4, "minute": 28}
